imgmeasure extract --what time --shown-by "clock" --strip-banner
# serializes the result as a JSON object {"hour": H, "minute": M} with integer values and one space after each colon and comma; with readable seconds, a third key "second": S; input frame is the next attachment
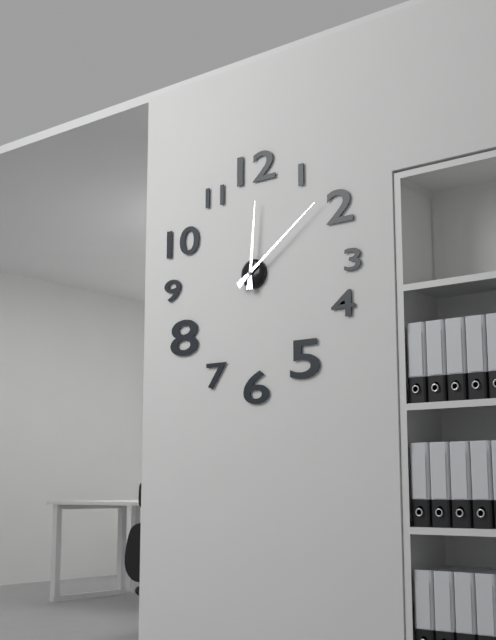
{"hour": 12, "minute": 9}
